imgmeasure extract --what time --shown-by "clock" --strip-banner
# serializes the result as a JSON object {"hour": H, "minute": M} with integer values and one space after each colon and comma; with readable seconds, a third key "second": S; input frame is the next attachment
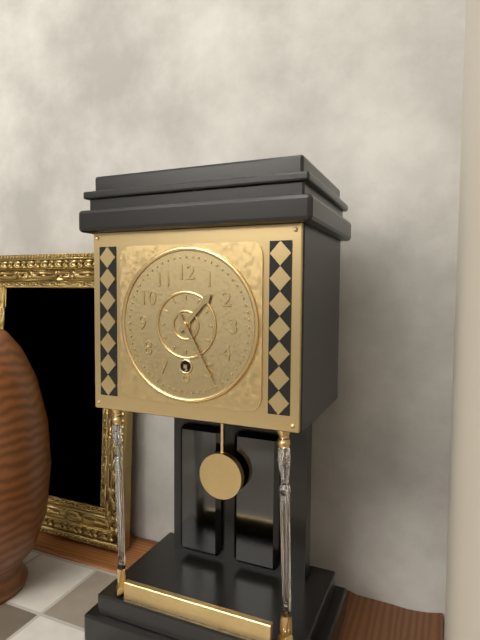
{"hour": 1, "minute": 25}
